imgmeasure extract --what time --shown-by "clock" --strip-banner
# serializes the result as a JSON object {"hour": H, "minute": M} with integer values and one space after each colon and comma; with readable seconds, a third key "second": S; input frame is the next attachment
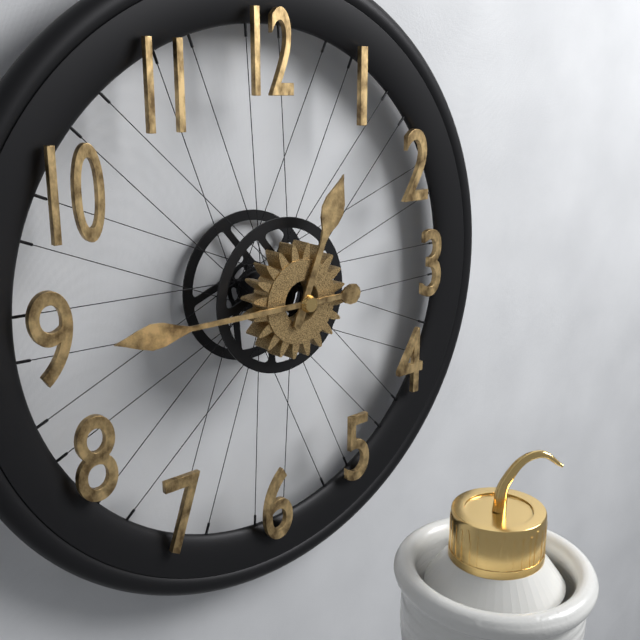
{"hour": 12, "minute": 45}
